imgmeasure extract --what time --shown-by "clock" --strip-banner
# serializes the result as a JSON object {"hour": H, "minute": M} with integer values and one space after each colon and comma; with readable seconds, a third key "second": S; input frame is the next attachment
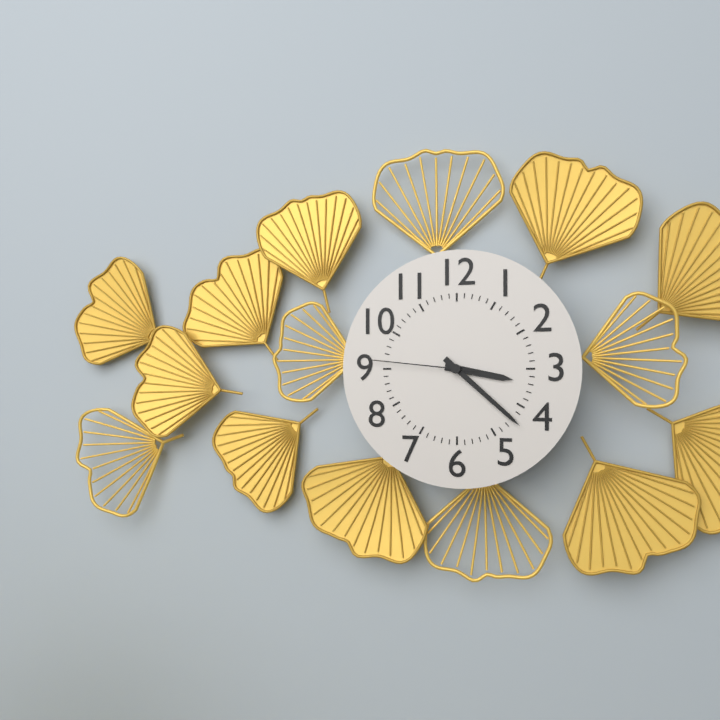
{"hour": 3, "minute": 22, "second": 46}
